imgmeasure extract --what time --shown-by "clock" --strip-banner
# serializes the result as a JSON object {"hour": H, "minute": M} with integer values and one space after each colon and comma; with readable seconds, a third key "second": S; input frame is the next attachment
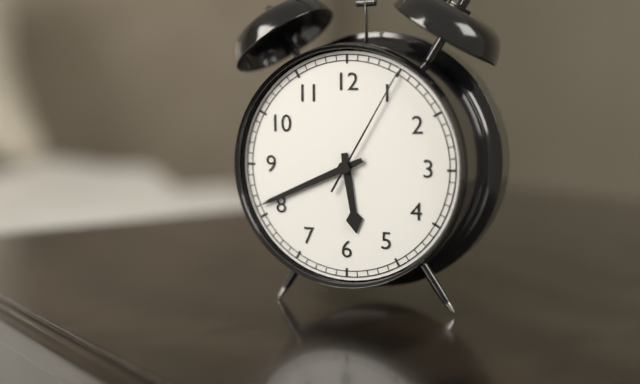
{"hour": 5, "minute": 41, "second": 5}
